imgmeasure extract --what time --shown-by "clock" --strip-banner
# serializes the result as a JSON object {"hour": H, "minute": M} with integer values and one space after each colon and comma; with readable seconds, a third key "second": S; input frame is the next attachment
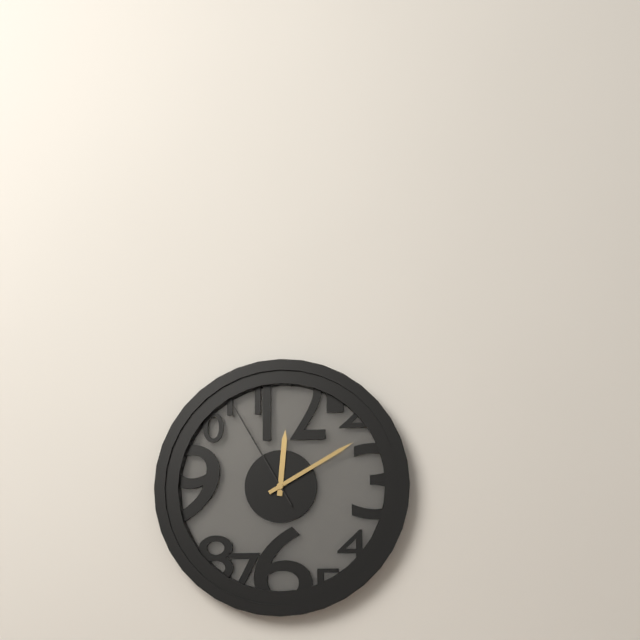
{"hour": 12, "minute": 10, "second": 55}
